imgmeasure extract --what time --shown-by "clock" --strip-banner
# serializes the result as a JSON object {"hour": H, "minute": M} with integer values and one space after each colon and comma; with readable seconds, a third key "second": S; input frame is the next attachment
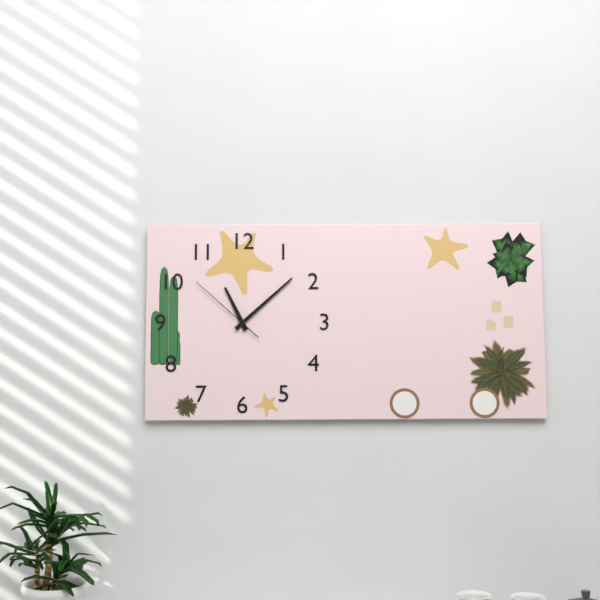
{"hour": 11, "minute": 8, "second": 52}
